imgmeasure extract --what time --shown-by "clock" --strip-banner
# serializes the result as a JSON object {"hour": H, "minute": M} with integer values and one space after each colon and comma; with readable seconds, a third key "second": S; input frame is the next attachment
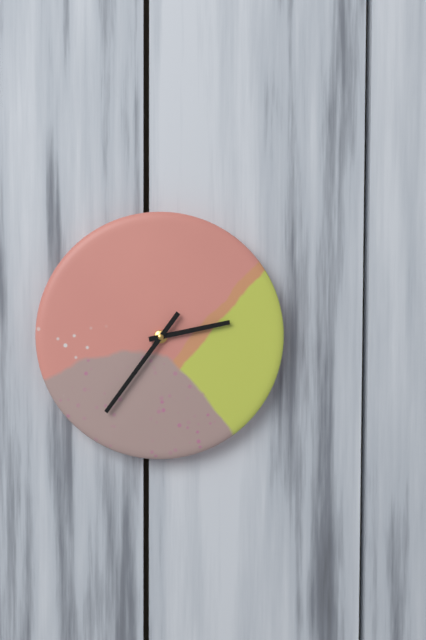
{"hour": 2, "minute": 36}
